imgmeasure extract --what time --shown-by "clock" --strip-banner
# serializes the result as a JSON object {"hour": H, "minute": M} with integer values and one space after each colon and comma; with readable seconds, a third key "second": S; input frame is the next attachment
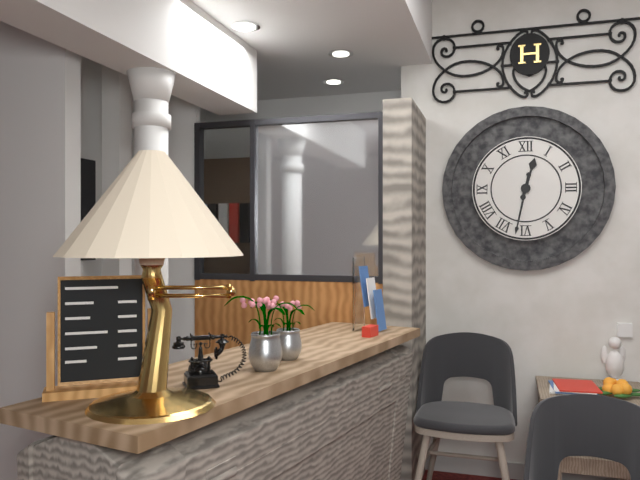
{"hour": 12, "minute": 32}
